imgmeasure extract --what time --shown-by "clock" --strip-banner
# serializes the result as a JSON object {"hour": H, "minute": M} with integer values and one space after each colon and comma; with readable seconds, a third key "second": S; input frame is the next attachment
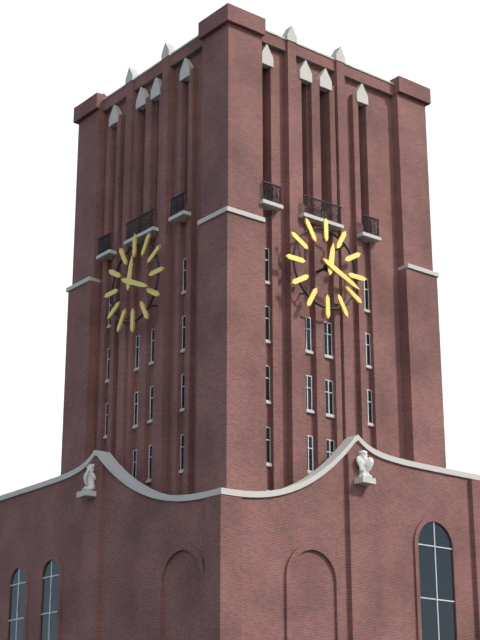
{"hour": 12, "minute": 19}
